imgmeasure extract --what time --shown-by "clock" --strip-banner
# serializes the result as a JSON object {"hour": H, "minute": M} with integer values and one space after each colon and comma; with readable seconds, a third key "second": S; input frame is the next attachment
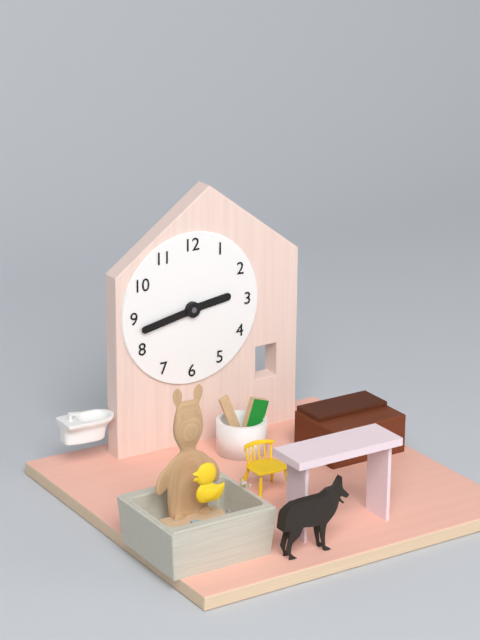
{"hour": 2, "minute": 43}
